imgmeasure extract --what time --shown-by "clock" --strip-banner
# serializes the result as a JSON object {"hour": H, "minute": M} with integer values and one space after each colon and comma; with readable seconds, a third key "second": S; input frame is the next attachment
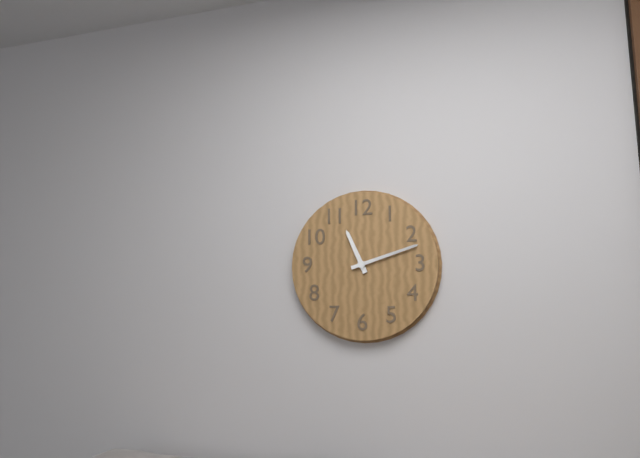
{"hour": 11, "minute": 12}
